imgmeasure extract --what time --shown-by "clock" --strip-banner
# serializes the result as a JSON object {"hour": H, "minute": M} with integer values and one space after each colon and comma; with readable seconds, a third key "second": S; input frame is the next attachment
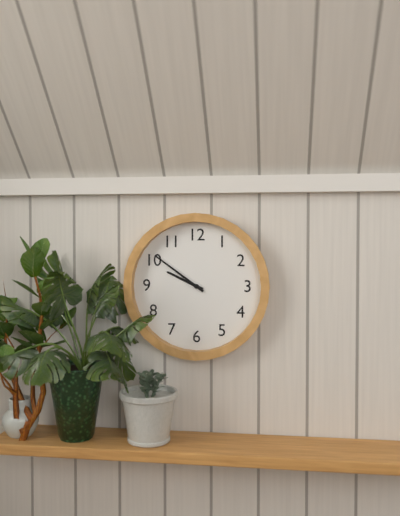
{"hour": 9, "minute": 51}
